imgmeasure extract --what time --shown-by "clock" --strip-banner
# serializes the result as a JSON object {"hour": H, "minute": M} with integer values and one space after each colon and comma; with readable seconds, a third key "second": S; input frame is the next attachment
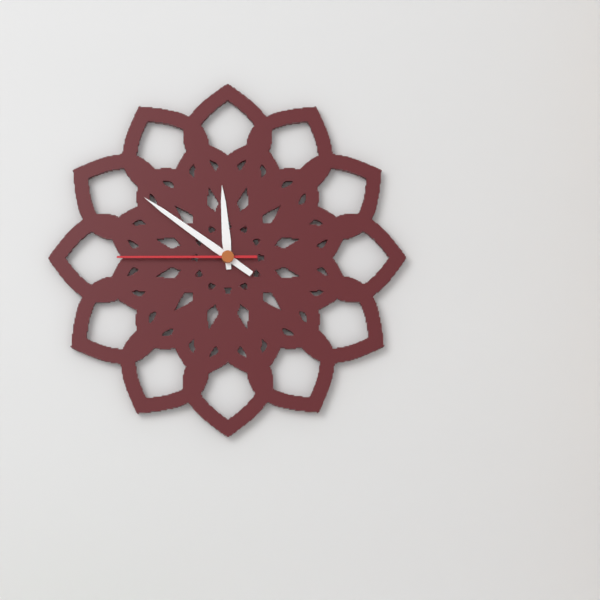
{"hour": 11, "minute": 51, "second": 45}
